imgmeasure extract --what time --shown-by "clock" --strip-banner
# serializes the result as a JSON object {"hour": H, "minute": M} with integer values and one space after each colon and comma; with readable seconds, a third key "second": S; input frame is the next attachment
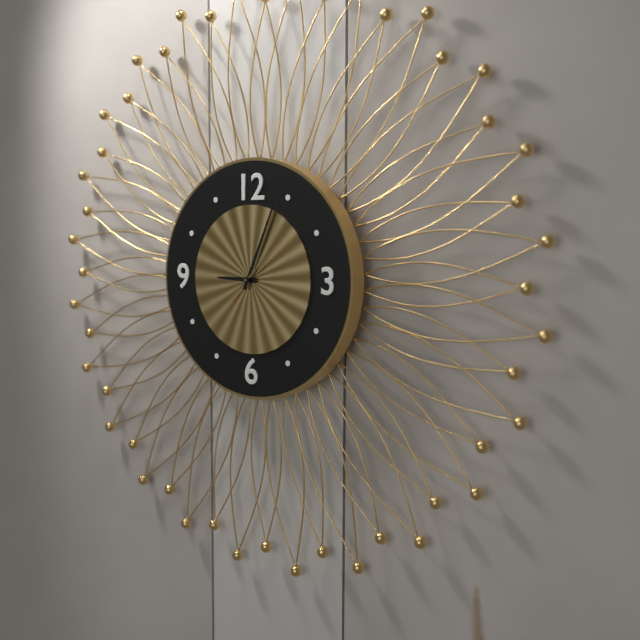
{"hour": 9, "minute": 4, "second": 8}
